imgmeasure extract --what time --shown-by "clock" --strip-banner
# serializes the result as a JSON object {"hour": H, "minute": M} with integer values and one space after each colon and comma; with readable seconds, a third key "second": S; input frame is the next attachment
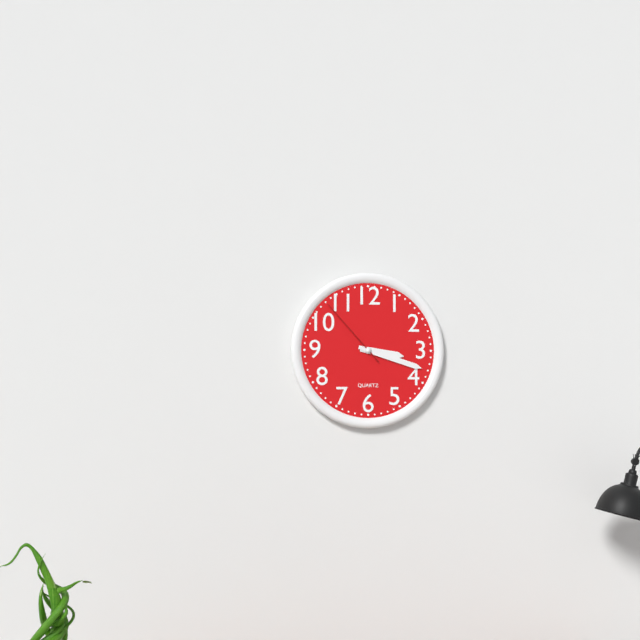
{"hour": 3, "minute": 18, "second": 53}
